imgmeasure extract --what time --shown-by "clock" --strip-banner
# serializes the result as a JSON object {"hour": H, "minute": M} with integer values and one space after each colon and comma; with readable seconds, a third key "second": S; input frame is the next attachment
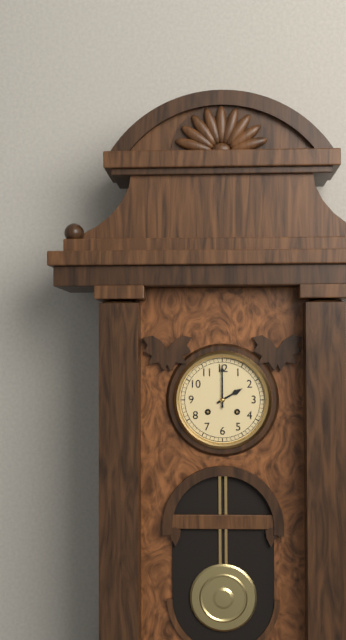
{"hour": 2, "minute": 0}
